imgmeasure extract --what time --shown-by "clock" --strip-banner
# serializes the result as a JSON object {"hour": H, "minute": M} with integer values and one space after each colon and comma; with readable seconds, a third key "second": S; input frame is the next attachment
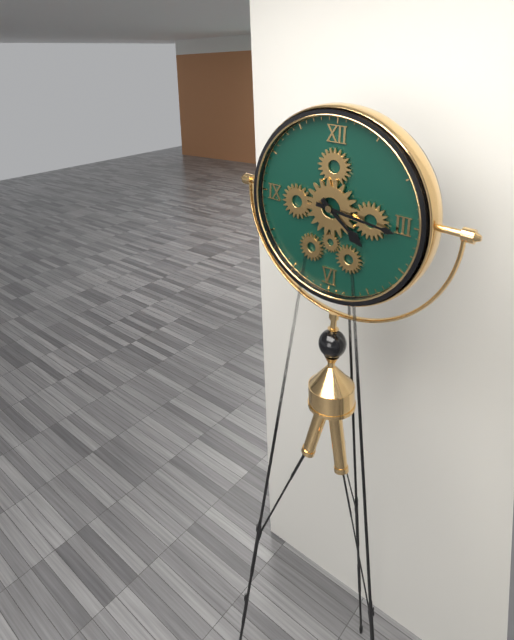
{"hour": 4, "minute": 16}
